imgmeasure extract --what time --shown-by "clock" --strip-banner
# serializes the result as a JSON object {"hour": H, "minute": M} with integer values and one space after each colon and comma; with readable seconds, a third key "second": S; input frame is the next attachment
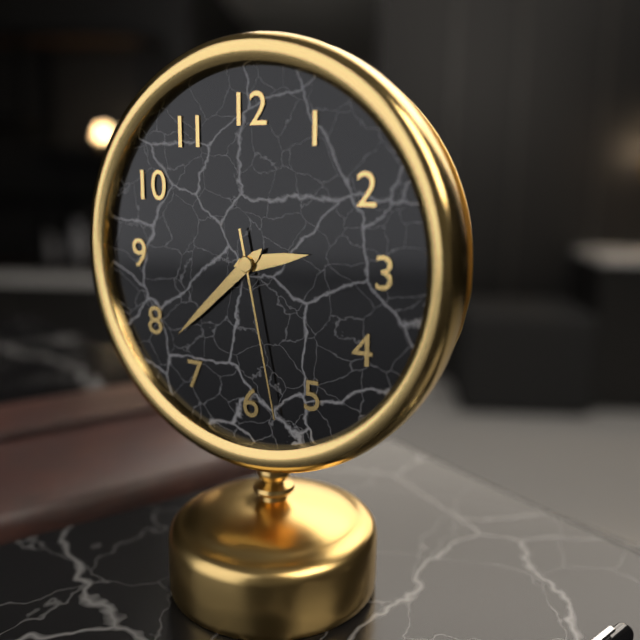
{"hour": 2, "minute": 38, "second": 28}
